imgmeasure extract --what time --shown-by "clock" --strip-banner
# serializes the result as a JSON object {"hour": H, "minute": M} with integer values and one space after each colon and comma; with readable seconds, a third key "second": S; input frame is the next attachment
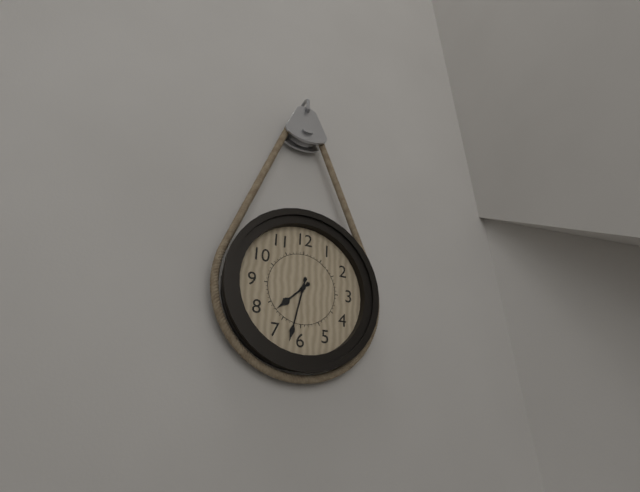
{"hour": 7, "minute": 32}
